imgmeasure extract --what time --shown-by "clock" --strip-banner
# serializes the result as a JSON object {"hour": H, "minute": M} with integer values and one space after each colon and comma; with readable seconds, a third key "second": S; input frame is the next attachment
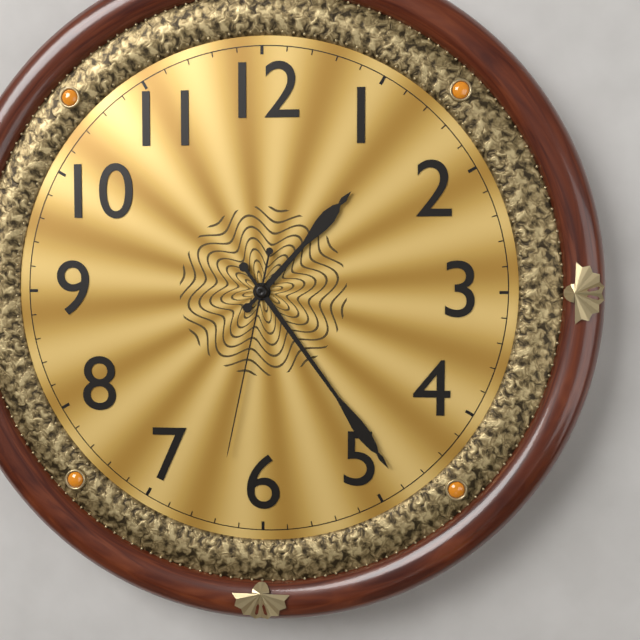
{"hour": 1, "minute": 24, "second": 32}
